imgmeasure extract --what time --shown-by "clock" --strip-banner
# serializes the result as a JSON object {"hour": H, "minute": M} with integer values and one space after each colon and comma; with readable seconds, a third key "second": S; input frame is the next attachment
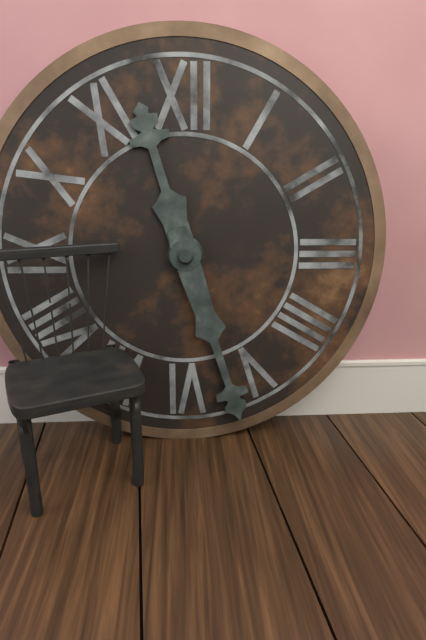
{"hour": 11, "minute": 27}
